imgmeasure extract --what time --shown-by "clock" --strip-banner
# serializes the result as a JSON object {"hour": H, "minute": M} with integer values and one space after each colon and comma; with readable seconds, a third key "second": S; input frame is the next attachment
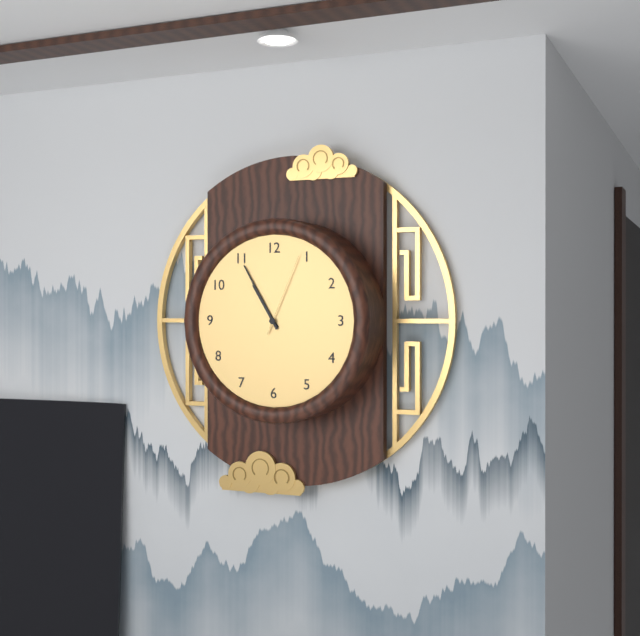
{"hour": 10, "minute": 55, "second": 4}
